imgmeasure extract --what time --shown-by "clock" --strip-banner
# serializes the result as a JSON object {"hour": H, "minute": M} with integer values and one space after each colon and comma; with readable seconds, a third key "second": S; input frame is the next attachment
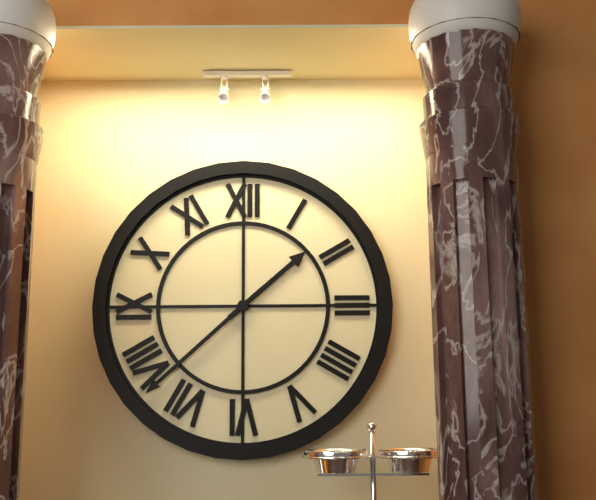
{"hour": 1, "minute": 38}
